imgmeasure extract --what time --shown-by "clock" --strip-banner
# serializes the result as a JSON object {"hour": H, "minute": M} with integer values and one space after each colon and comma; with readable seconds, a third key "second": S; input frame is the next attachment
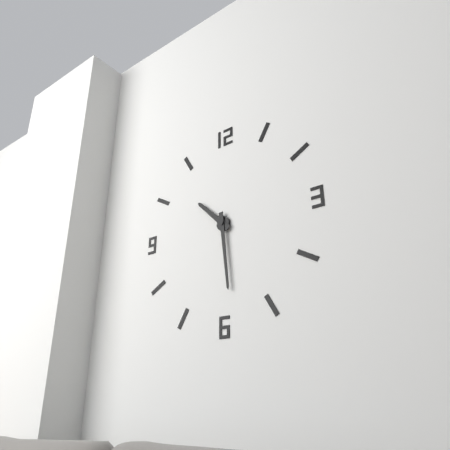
{"hour": 10, "minute": 29}
